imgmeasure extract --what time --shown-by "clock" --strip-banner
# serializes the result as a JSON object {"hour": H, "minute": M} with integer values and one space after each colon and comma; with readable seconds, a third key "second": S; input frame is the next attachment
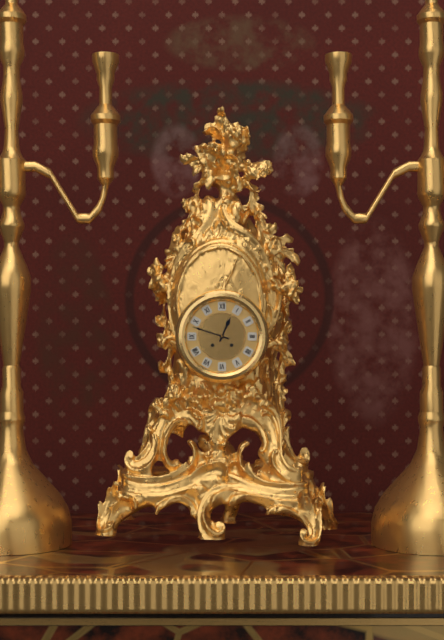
{"hour": 12, "minute": 48}
